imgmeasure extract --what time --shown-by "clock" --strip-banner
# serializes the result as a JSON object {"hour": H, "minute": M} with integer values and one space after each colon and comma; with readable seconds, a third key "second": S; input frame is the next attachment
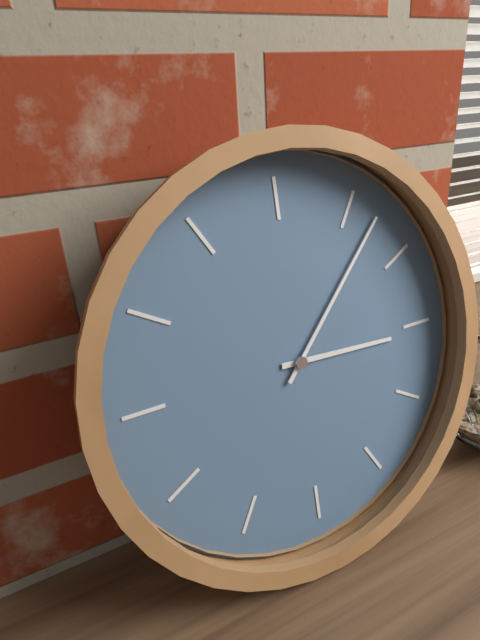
{"hour": 3, "minute": 7}
